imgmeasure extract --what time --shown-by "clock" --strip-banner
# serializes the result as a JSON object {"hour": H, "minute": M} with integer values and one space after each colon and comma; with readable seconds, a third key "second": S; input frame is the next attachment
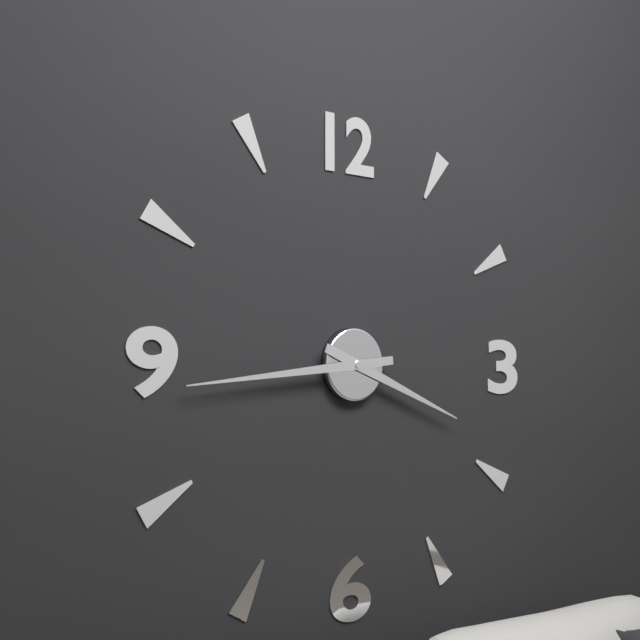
{"hour": 3, "minute": 44}
